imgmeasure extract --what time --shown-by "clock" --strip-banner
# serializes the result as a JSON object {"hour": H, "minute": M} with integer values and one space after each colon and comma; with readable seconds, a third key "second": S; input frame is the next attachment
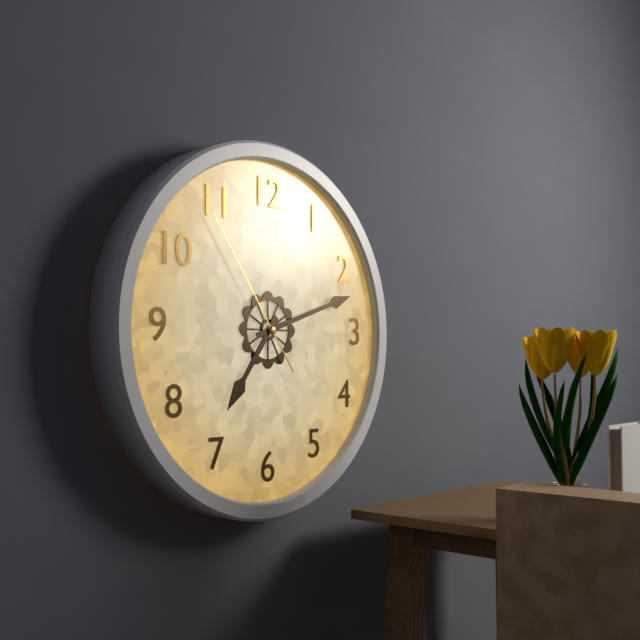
{"hour": 7, "minute": 12, "second": 54}
